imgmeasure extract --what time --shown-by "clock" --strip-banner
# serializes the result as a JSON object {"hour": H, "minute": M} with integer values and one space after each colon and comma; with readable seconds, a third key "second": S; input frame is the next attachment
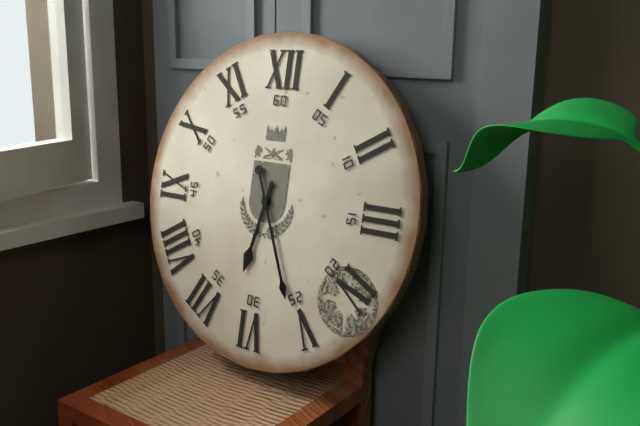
{"hour": 6, "minute": 26}
